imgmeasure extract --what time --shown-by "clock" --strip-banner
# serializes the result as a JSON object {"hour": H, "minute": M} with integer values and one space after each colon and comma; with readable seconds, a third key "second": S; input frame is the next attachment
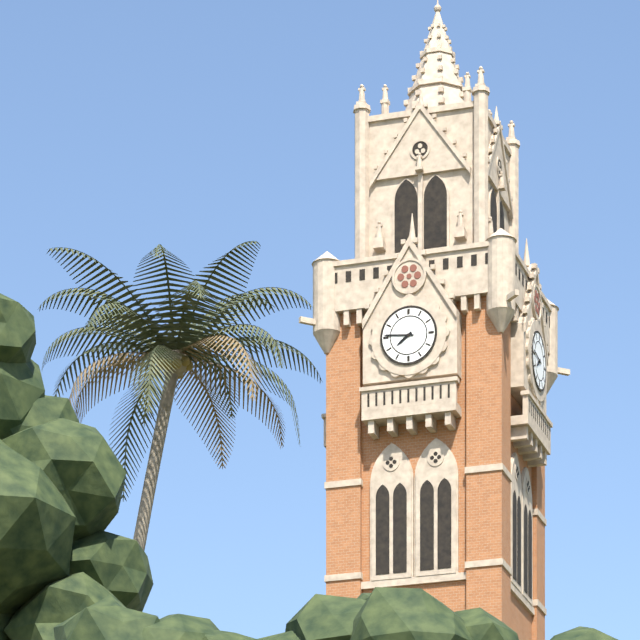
{"hour": 7, "minute": 46}
